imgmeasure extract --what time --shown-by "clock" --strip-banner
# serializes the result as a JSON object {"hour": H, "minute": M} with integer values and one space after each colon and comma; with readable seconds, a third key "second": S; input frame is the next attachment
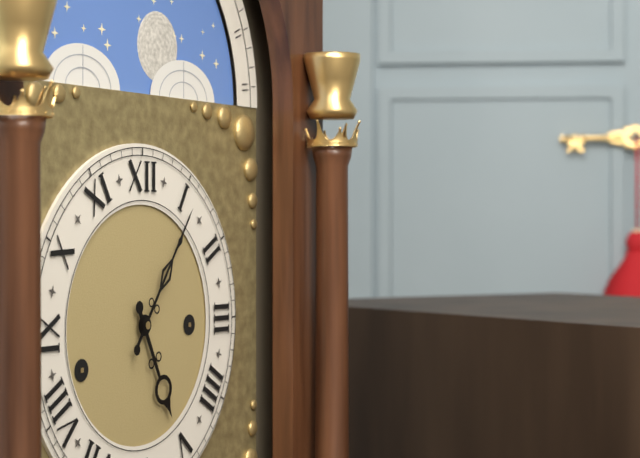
{"hour": 5, "minute": 6}
